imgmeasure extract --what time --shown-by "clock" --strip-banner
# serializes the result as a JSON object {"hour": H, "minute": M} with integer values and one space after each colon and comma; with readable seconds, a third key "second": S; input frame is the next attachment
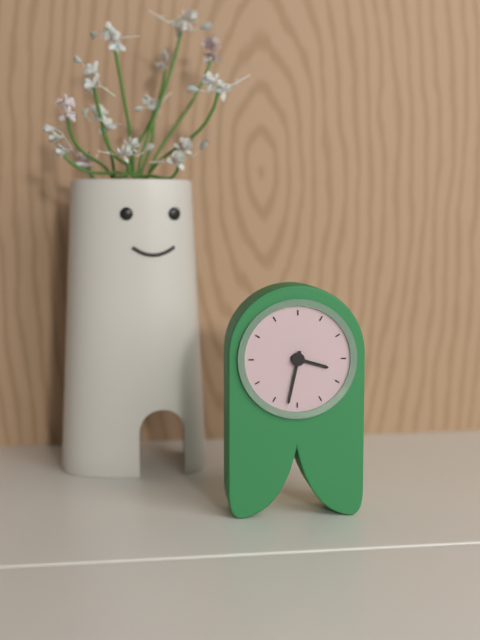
{"hour": 3, "minute": 32}
